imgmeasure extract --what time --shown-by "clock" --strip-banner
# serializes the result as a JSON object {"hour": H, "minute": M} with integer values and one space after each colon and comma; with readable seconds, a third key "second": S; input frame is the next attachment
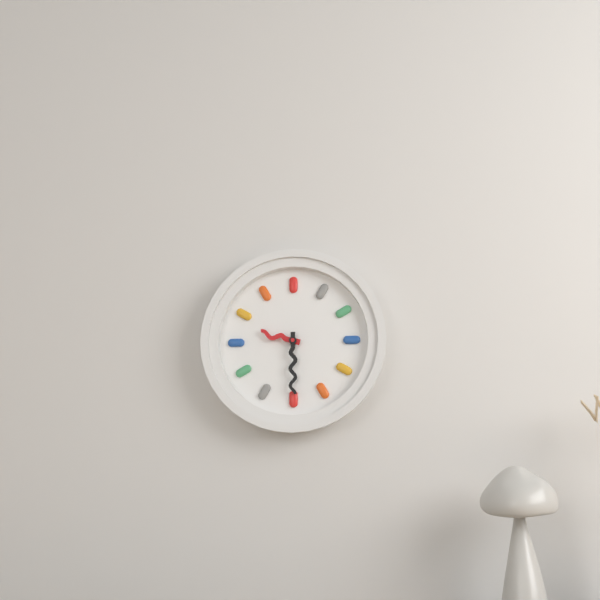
{"hour": 9, "minute": 30}
